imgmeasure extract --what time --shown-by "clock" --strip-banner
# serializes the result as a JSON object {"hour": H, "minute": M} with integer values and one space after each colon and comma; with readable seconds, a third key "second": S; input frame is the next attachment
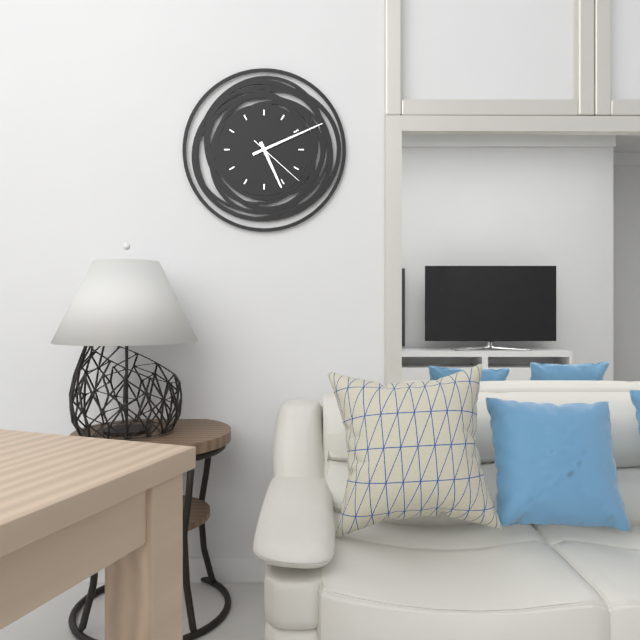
{"hour": 5, "minute": 11, "second": 22}
